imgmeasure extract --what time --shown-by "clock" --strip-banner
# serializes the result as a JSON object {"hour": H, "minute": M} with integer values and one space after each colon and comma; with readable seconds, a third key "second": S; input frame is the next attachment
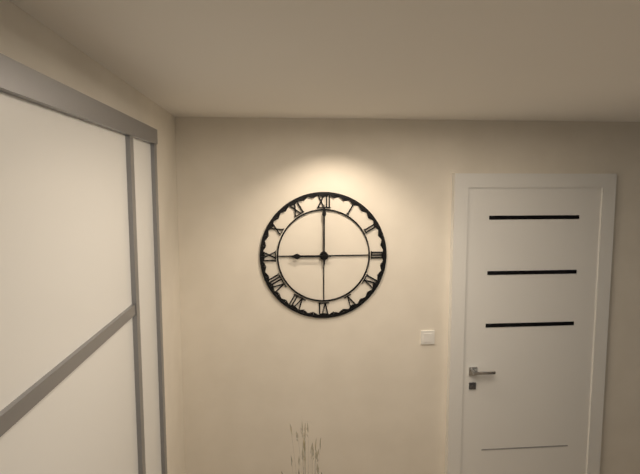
{"hour": 9, "minute": 0}
